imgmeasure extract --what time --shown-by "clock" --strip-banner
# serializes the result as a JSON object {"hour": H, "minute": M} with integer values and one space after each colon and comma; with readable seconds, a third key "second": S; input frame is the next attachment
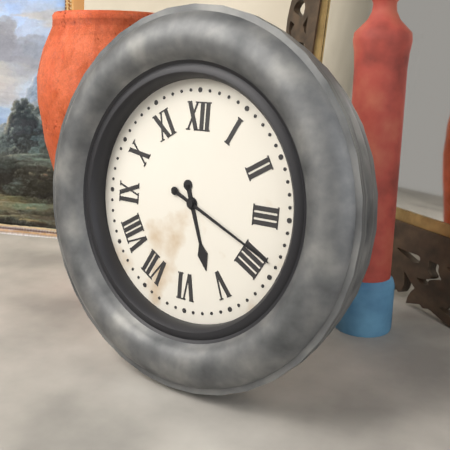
{"hour": 5, "minute": 19}
